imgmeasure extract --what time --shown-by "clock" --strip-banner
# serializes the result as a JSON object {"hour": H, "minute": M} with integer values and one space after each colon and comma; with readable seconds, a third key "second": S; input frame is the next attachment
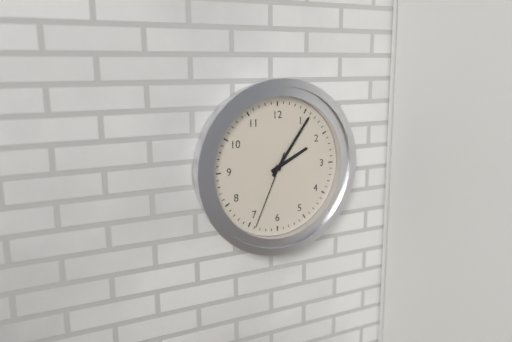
{"hour": 2, "minute": 6, "second": 34}
